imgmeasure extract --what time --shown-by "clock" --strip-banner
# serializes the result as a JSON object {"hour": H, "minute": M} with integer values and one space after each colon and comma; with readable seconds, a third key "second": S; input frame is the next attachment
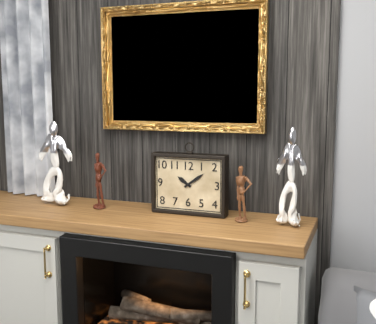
{"hour": 10, "minute": 9}
